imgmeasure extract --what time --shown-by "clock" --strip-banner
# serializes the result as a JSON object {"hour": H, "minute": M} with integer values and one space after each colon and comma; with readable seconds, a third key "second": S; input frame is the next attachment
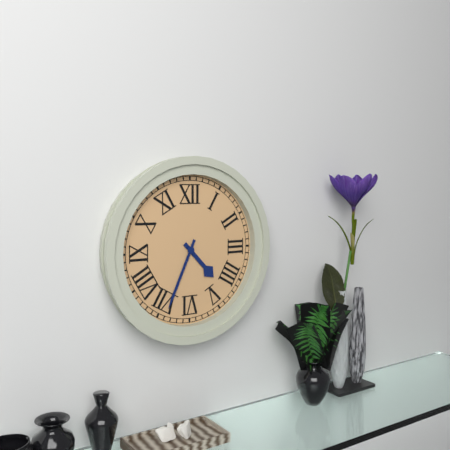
{"hour": 4, "minute": 34}
